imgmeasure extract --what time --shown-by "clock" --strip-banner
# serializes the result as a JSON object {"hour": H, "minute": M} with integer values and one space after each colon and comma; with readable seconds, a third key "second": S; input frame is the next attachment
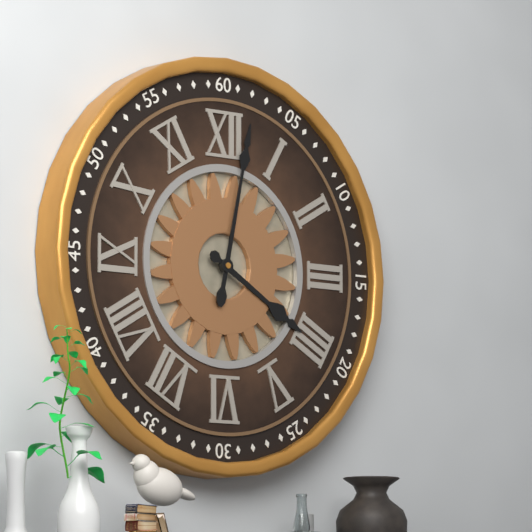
{"hour": 4, "minute": 2}
